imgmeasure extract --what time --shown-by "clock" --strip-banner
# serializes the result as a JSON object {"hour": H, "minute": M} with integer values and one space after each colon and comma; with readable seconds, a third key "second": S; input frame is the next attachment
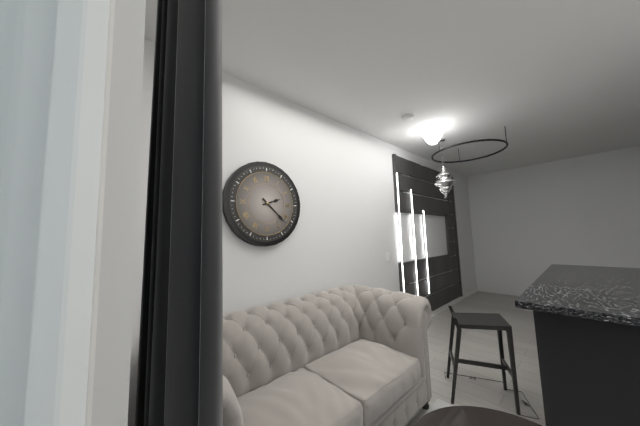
{"hour": 2, "minute": 22}
